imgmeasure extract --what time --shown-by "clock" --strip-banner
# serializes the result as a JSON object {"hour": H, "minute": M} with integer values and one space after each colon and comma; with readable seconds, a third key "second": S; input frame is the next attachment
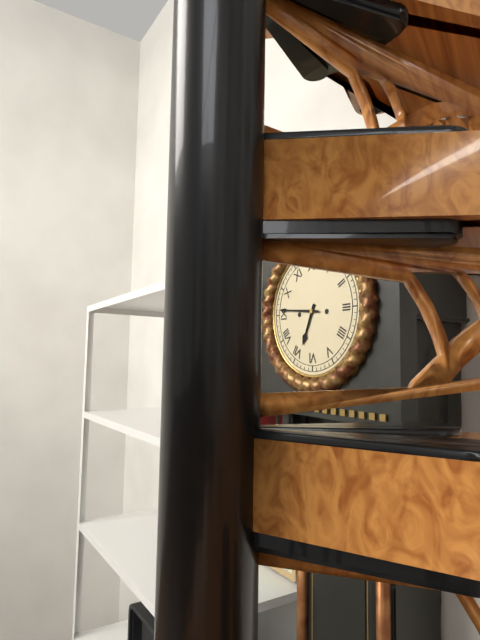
{"hour": 6, "minute": 46}
